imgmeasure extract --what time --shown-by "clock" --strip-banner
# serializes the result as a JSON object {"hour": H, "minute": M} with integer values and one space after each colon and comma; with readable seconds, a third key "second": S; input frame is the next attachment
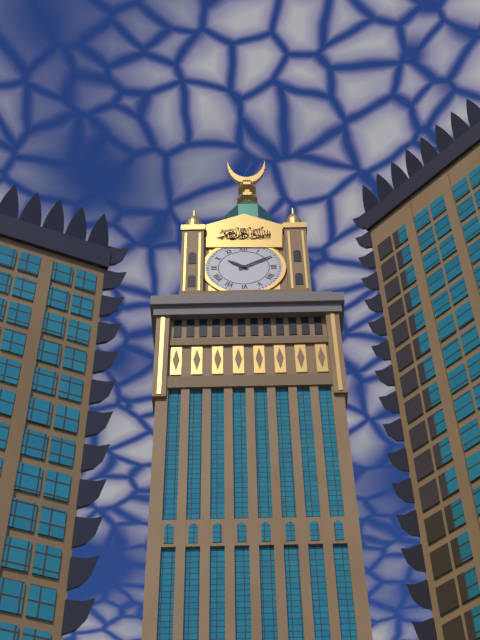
{"hour": 10, "minute": 10}
